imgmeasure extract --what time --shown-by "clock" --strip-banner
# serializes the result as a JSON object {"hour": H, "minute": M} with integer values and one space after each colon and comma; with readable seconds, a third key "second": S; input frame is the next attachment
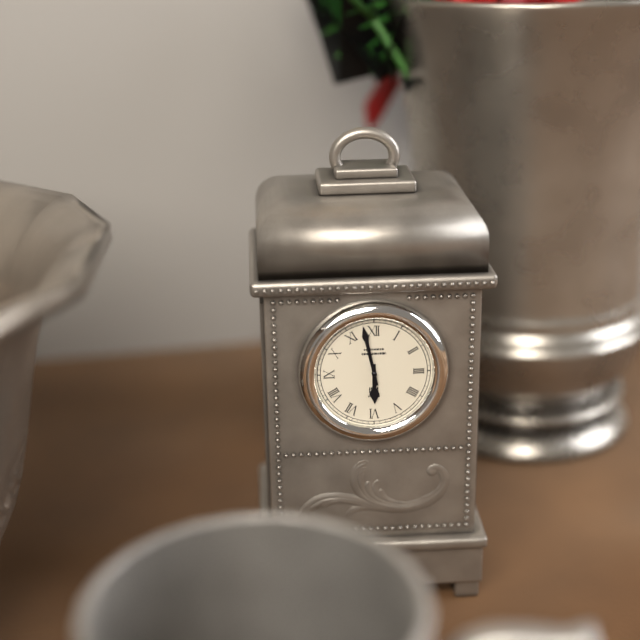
{"hour": 5, "minute": 58}
